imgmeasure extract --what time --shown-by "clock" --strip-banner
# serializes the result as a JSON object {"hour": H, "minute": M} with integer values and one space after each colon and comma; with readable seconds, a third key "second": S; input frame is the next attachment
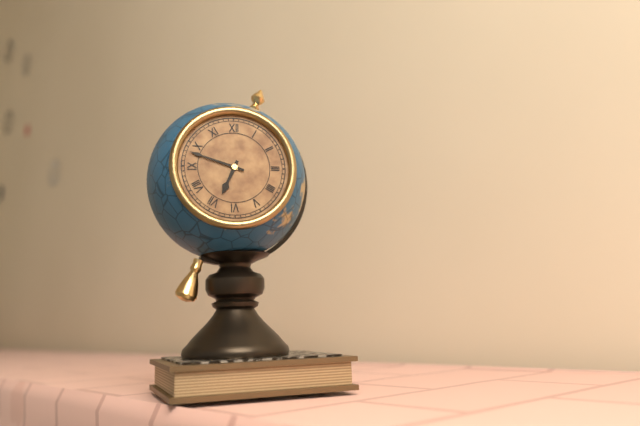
{"hour": 6, "minute": 48}
